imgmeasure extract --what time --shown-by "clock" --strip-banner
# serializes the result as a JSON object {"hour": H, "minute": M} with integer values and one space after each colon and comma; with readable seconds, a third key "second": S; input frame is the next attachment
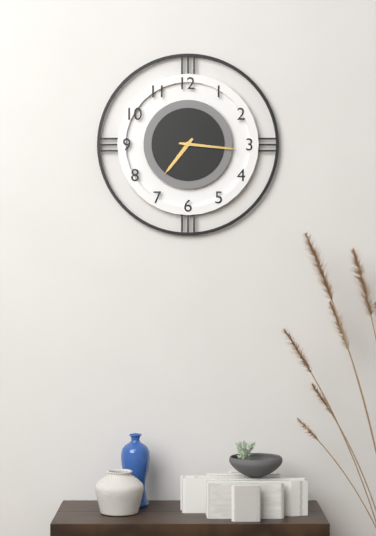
{"hour": 7, "minute": 16}
